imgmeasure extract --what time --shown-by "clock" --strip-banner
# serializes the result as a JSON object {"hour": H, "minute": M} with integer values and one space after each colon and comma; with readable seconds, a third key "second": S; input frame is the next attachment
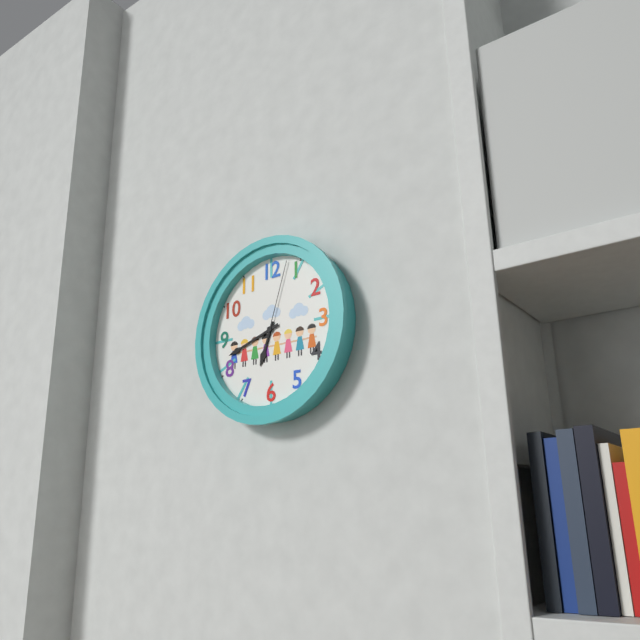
{"hour": 6, "minute": 42, "second": 3}
